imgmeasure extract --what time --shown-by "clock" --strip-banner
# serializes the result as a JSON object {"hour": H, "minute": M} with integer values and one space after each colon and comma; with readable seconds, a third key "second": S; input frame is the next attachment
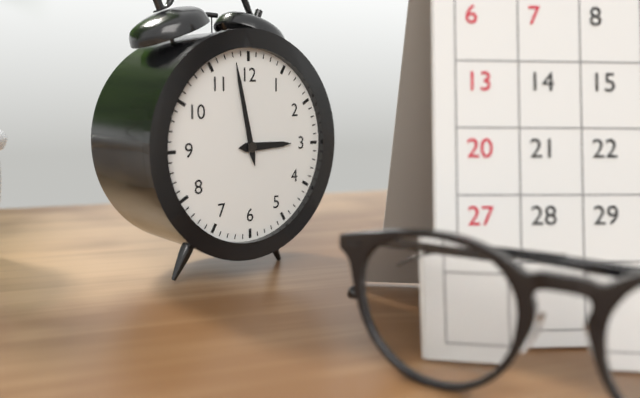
{"hour": 2, "minute": 58}
